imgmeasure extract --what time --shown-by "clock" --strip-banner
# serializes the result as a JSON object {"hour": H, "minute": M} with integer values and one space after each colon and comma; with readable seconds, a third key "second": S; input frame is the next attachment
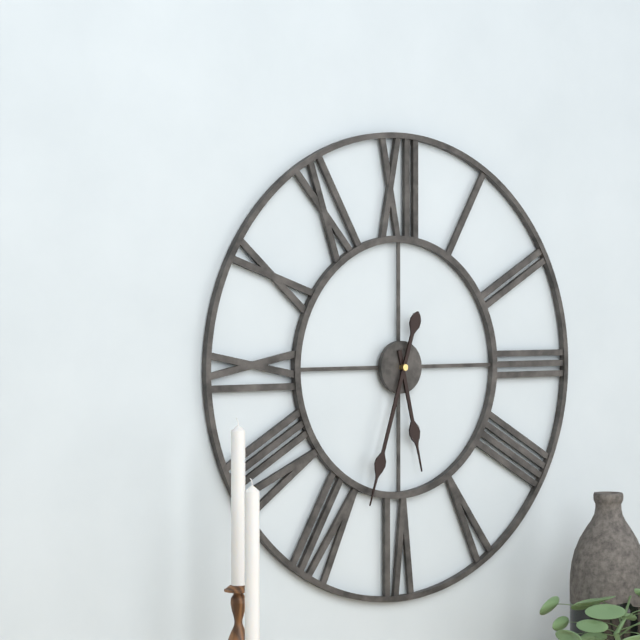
{"hour": 5, "minute": 33}
